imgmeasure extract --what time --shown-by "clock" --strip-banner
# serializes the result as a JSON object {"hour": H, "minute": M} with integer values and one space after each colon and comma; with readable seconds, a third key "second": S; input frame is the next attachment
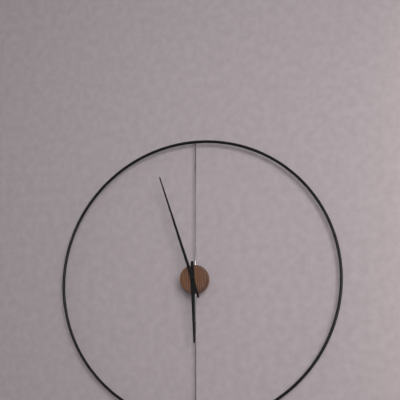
{"hour": 5, "minute": 57}
